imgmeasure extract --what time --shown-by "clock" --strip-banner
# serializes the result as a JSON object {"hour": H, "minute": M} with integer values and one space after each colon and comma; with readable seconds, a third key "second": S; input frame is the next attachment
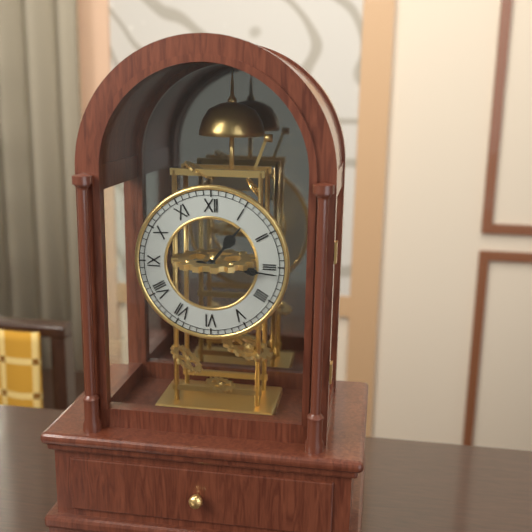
{"hour": 1, "minute": 16}
